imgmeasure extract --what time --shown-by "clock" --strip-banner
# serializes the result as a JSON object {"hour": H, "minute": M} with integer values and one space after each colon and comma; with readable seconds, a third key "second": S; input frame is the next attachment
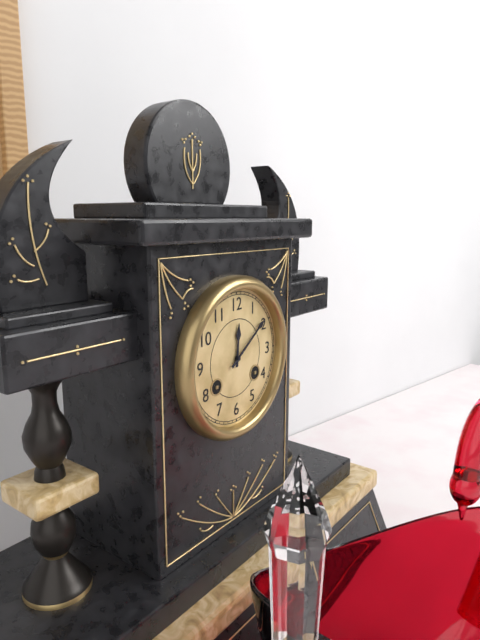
{"hour": 12, "minute": 9}
